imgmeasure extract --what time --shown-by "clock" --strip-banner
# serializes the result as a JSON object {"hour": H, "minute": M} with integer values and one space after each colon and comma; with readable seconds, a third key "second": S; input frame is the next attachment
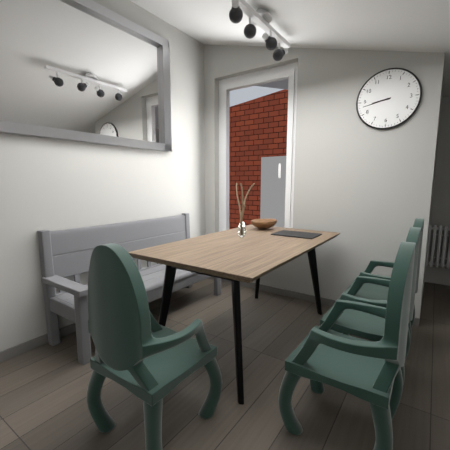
{"hour": 8, "minute": 43}
